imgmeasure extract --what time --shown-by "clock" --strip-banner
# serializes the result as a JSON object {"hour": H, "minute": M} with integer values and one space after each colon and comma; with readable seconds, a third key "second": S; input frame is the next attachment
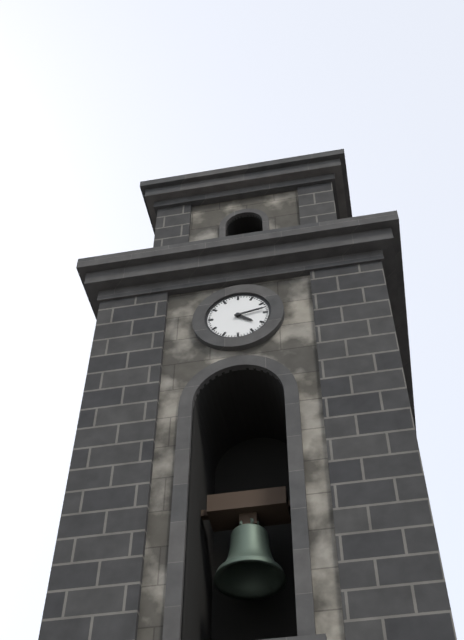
{"hour": 4, "minute": 13}
